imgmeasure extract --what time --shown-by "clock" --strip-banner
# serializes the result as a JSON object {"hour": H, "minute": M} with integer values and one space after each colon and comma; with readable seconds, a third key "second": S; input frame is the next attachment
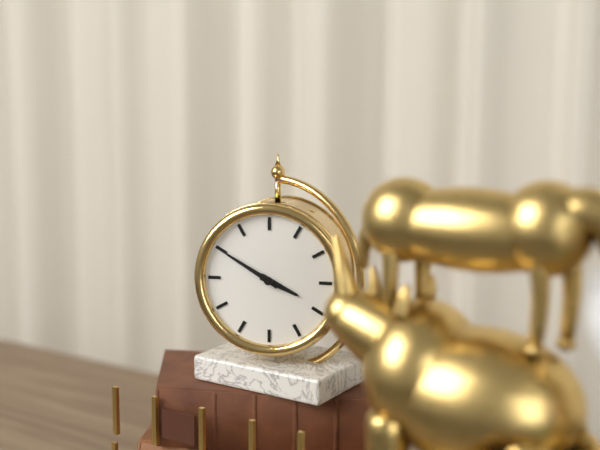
{"hour": 3, "minute": 50}
